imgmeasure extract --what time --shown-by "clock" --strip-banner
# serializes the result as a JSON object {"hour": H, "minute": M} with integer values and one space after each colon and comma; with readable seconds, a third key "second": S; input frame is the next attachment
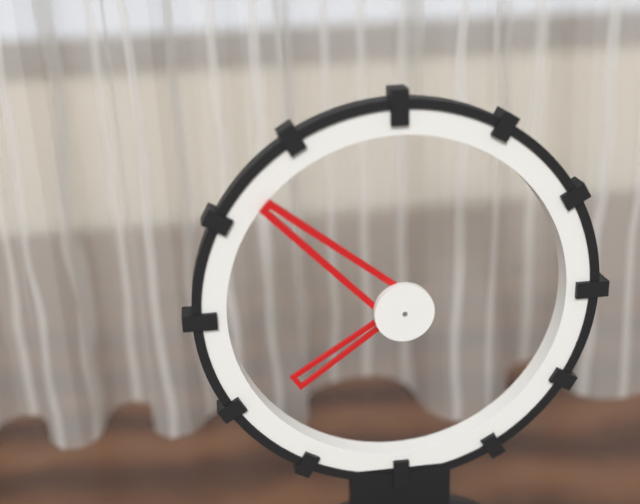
{"hour": 7, "minute": 52}
